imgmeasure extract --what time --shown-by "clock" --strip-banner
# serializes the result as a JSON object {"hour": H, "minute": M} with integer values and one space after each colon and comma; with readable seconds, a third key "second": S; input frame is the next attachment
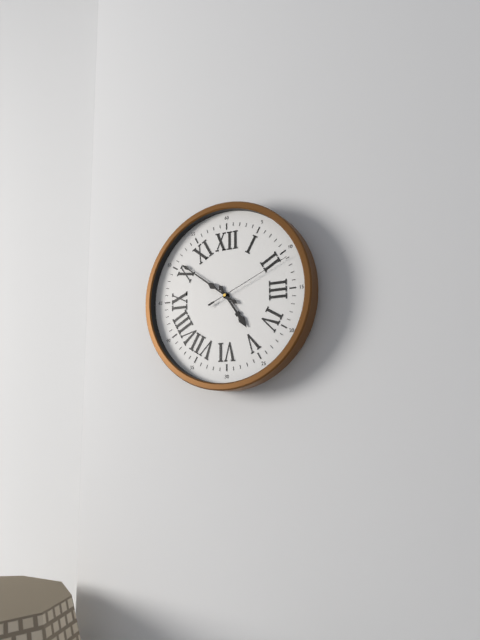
{"hour": 4, "minute": 51, "second": 11}
